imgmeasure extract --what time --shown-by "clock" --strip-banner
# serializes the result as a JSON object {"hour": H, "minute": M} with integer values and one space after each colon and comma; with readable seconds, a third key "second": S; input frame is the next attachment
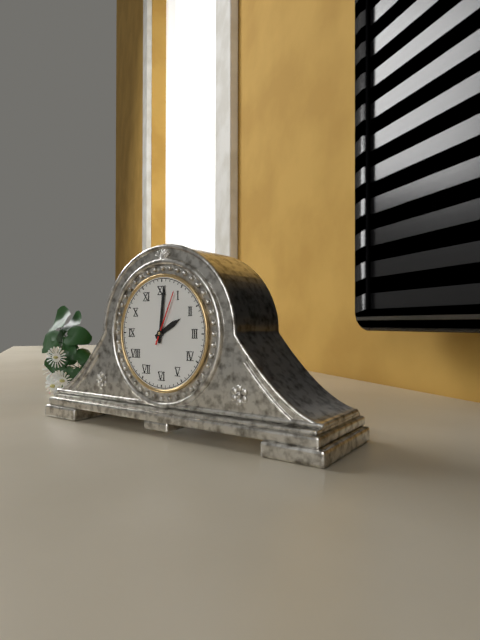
{"hour": 2, "minute": 1, "second": 4}
